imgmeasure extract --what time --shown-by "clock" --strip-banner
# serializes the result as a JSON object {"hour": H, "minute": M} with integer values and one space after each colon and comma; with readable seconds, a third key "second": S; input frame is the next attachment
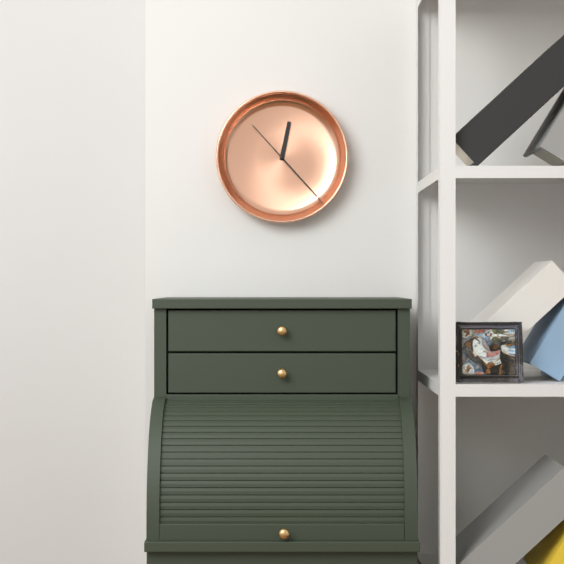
{"hour": 12, "minute": 23, "second": 53}
